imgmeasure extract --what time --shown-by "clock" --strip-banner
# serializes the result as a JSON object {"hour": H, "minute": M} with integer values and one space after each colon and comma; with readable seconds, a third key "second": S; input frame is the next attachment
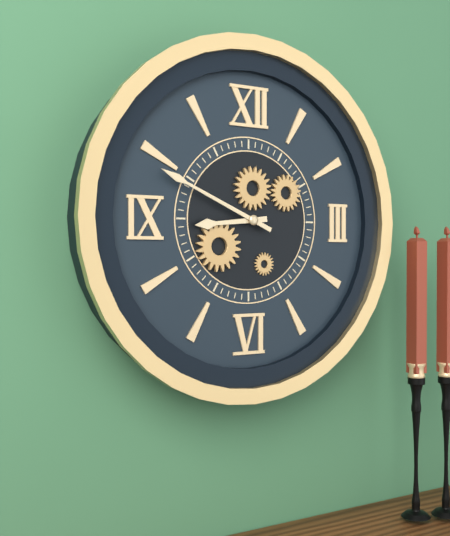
{"hour": 8, "minute": 49}
